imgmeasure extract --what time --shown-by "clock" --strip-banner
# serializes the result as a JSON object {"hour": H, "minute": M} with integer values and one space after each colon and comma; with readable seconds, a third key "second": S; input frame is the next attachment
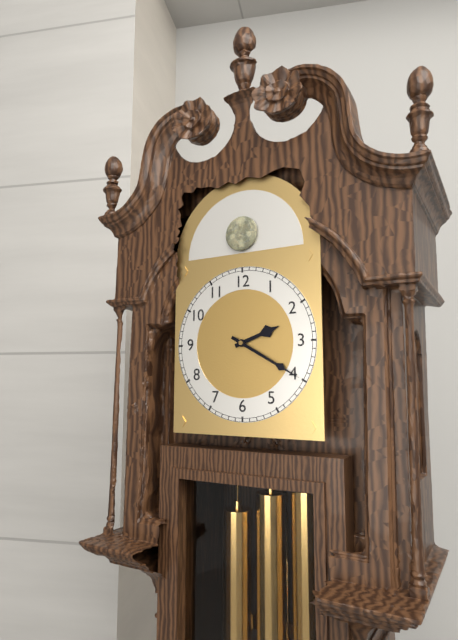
{"hour": 2, "minute": 20}
